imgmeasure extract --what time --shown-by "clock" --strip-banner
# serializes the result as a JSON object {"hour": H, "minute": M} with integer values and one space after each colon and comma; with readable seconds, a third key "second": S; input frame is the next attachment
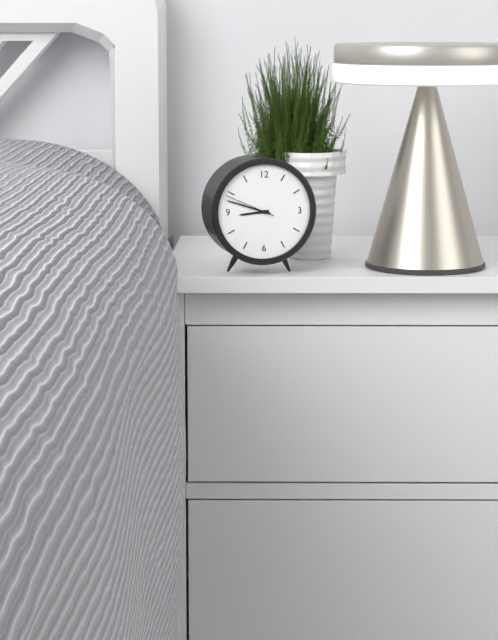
{"hour": 8, "minute": 48, "second": 49}
